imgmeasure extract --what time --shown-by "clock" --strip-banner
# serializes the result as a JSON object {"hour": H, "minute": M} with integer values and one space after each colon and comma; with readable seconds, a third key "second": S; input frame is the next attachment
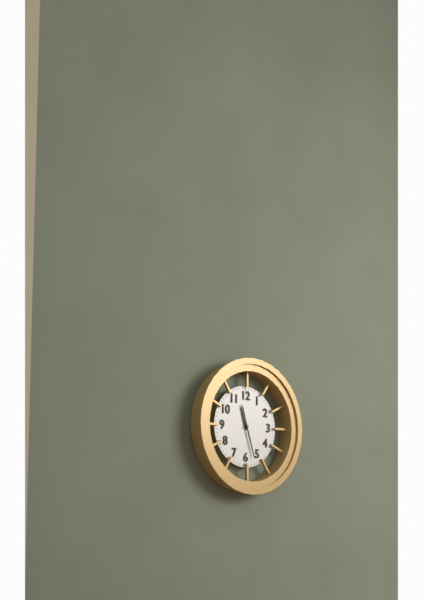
{"hour": 11, "minute": 27}
